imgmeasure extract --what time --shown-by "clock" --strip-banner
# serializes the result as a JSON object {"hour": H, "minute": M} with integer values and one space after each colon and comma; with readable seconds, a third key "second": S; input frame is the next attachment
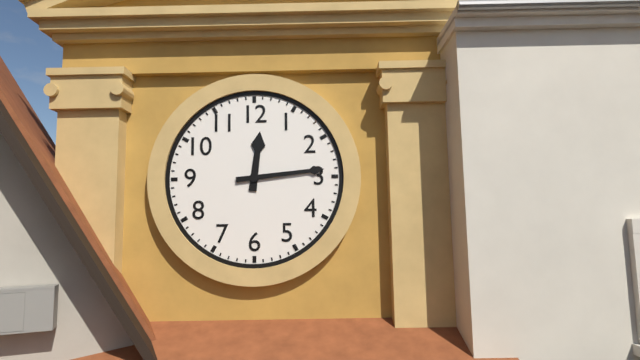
{"hour": 12, "minute": 14}
